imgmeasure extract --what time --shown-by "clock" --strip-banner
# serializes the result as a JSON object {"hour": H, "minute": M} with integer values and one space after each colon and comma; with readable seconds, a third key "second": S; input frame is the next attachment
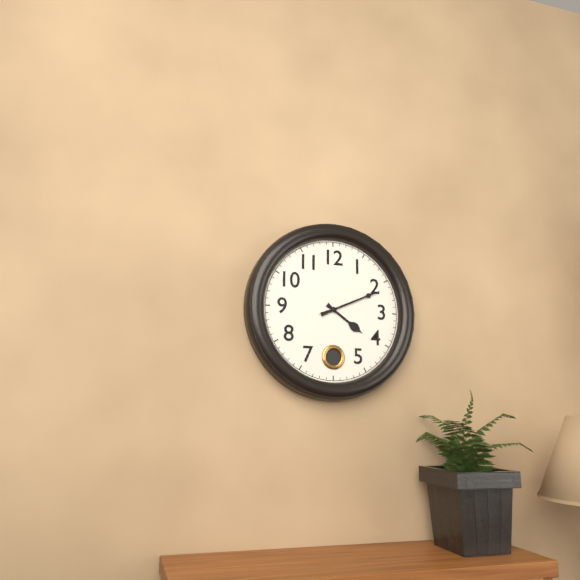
{"hour": 4, "minute": 11}
